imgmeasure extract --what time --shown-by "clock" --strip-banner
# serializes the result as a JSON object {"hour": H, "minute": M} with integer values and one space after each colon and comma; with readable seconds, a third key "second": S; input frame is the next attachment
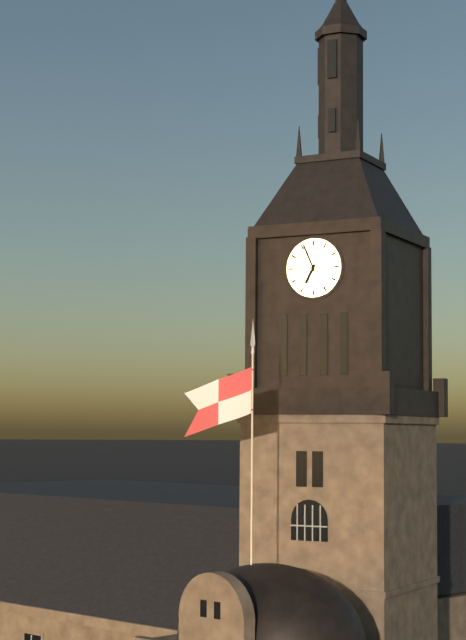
{"hour": 6, "minute": 56}
